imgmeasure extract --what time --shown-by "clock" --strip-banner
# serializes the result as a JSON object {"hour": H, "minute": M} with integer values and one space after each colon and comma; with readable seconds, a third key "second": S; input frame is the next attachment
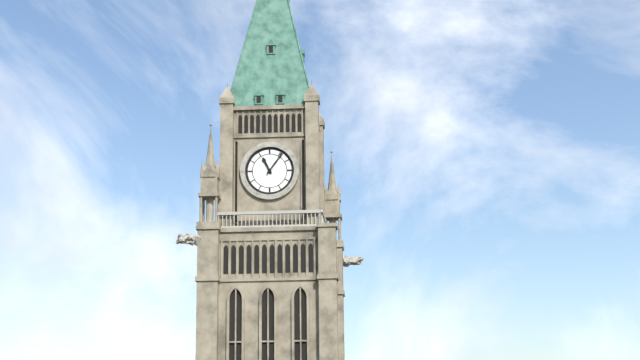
{"hour": 11, "minute": 6}
